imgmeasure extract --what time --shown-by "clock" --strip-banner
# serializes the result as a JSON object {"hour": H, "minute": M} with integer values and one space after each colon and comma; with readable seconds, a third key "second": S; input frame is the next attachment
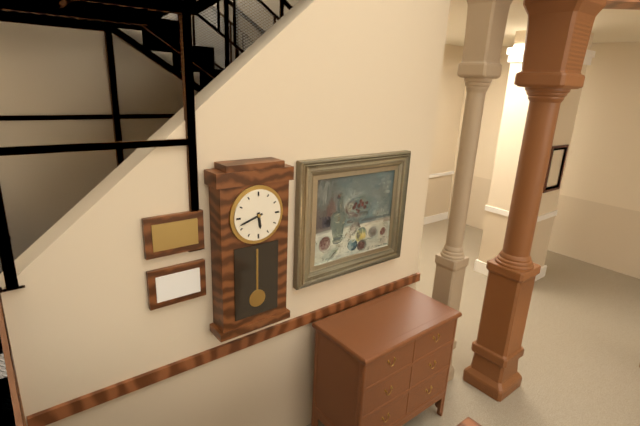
{"hour": 5, "minute": 42}
